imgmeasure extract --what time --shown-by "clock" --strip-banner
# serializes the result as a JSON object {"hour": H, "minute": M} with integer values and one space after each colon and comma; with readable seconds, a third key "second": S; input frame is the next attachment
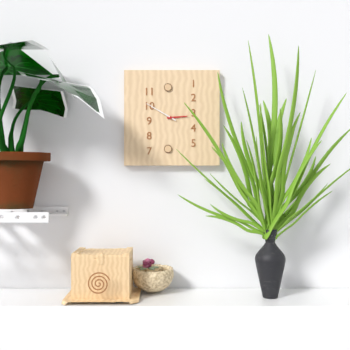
{"hour": 2, "minute": 50}
